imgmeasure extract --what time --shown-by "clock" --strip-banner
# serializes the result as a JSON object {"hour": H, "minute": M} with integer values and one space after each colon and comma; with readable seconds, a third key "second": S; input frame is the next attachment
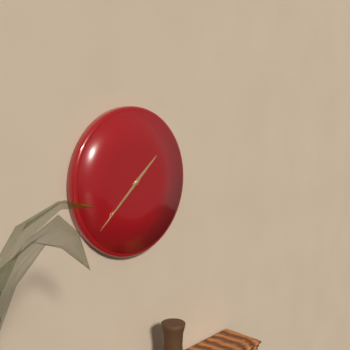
{"hour": 1, "minute": 38}
